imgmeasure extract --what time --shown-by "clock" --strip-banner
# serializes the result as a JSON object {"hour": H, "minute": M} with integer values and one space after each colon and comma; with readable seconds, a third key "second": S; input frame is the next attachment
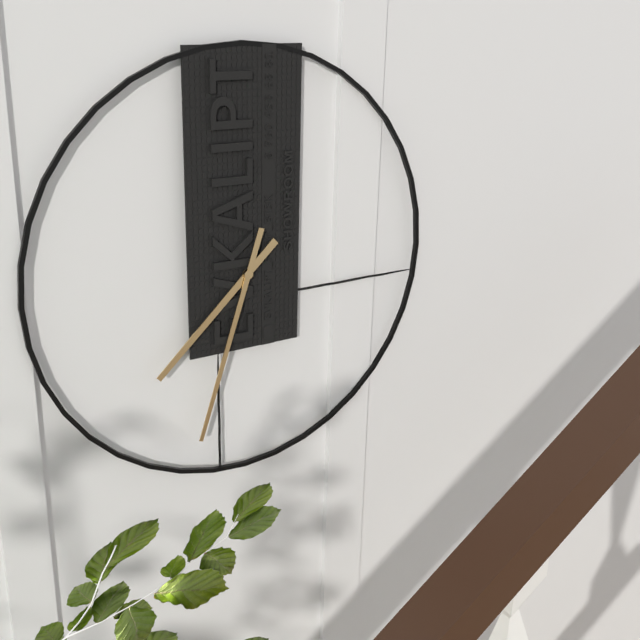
{"hour": 7, "minute": 33}
